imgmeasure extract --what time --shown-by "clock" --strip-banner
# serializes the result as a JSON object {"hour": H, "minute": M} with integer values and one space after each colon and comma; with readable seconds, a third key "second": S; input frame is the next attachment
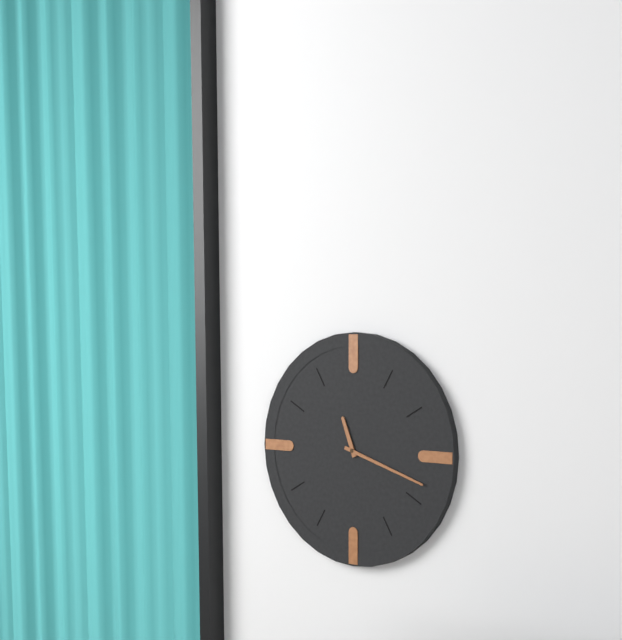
{"hour": 11, "minute": 18}
